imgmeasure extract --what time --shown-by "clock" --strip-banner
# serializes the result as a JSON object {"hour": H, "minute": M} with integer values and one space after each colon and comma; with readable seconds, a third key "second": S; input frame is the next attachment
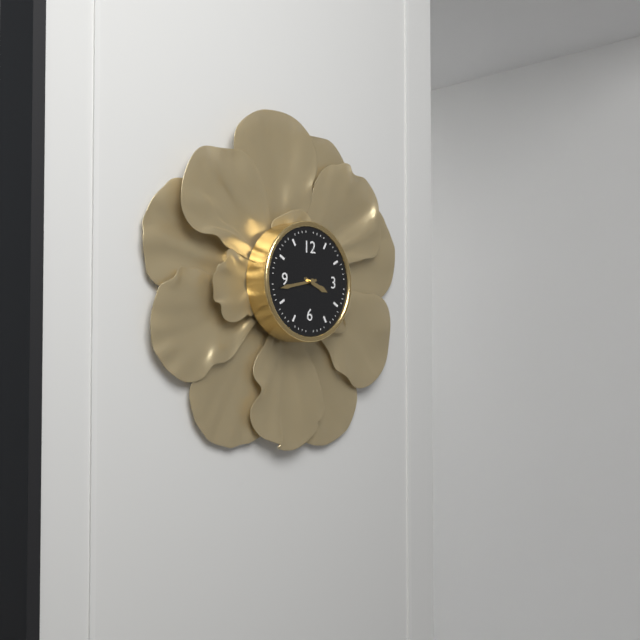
{"hour": 3, "minute": 43}
